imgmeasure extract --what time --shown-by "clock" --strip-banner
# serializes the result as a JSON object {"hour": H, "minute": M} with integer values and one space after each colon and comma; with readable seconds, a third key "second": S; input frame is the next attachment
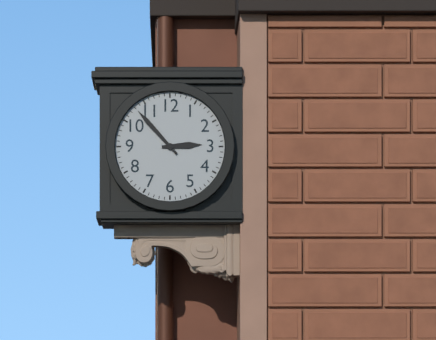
{"hour": 2, "minute": 53}
